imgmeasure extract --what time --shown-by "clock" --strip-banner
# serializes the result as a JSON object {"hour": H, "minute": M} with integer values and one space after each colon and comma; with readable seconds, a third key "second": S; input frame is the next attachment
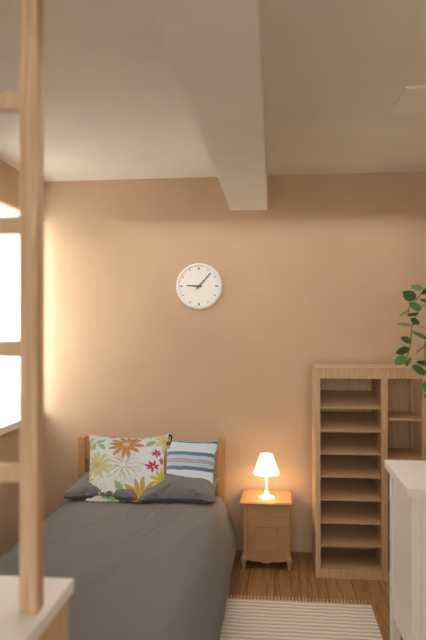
{"hour": 9, "minute": 7}
